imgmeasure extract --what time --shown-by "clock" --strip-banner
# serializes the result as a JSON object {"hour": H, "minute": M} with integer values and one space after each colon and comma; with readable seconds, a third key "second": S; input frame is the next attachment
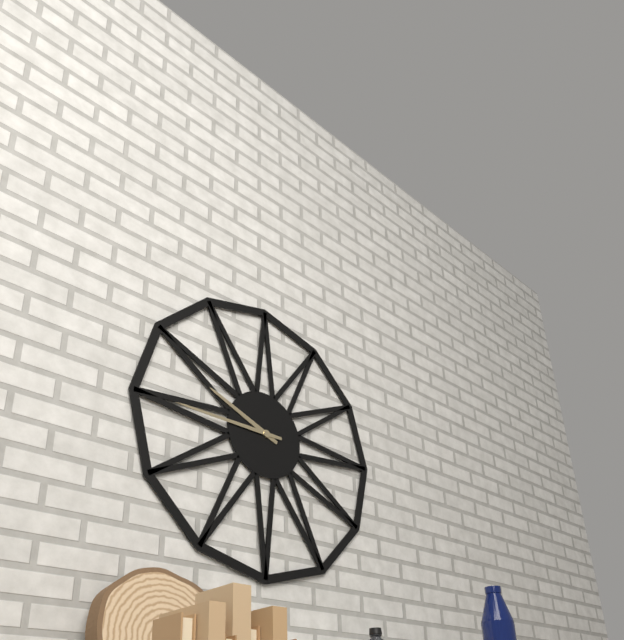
{"hour": 9, "minute": 45}
